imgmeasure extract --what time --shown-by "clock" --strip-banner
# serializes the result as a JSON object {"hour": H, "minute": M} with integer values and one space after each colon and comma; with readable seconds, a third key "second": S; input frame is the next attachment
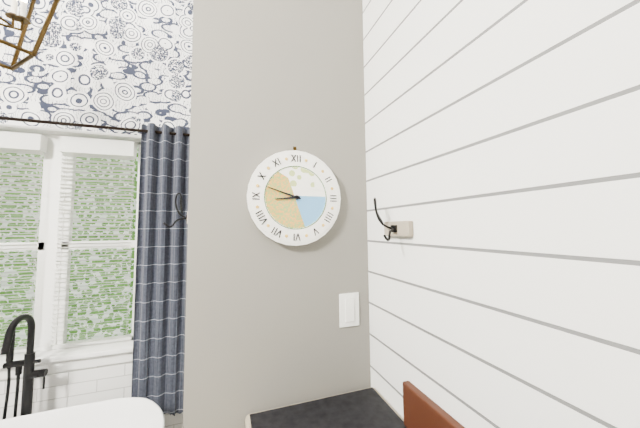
{"hour": 8, "minute": 48}
